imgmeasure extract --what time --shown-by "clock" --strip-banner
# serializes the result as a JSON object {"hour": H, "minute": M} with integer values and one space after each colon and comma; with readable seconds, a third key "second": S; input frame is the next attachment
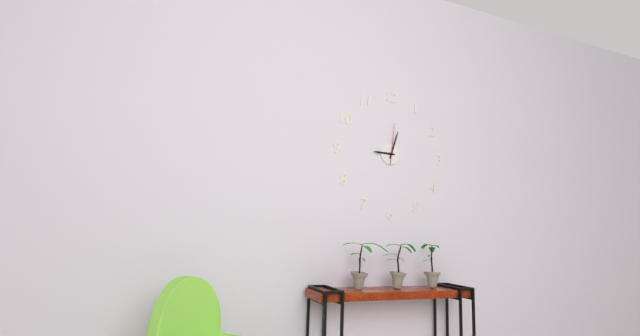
{"hour": 9, "minute": 3}
